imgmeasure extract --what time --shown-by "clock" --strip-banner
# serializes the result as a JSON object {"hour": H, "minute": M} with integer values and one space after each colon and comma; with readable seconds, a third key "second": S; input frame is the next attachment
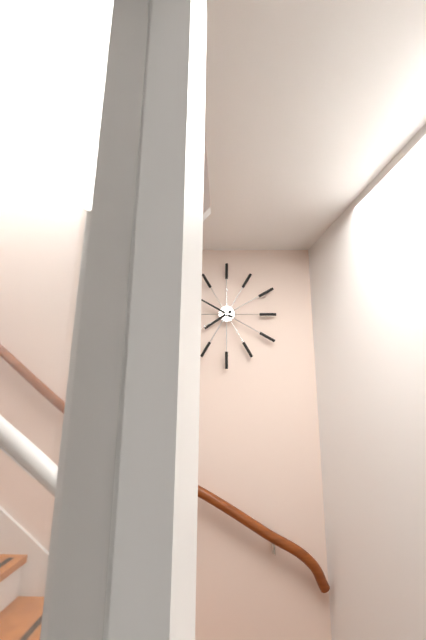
{"hour": 7, "minute": 50}
